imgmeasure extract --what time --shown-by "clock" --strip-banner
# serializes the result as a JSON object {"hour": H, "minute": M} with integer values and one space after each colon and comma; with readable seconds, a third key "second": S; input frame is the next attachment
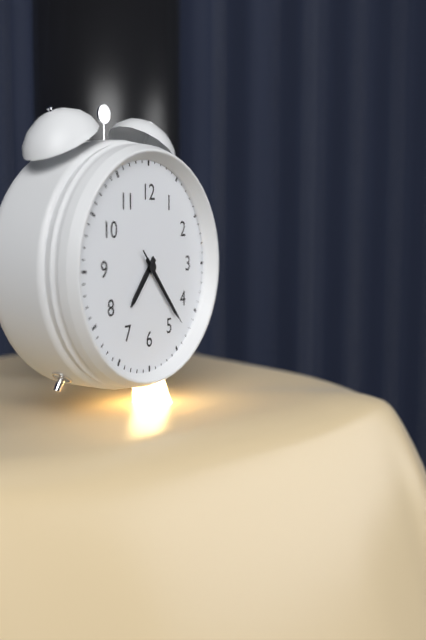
{"hour": 7, "minute": 23, "second": 23}
